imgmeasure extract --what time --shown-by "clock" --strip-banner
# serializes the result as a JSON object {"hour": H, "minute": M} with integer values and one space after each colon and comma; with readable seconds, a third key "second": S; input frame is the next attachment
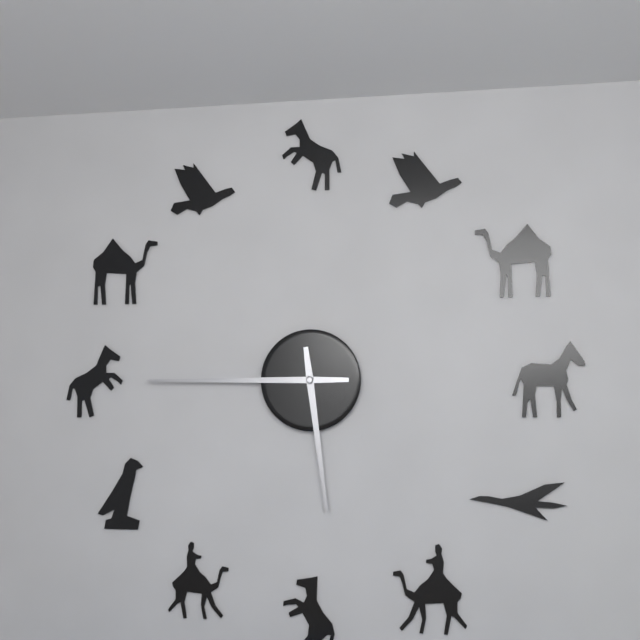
{"hour": 5, "minute": 45}
